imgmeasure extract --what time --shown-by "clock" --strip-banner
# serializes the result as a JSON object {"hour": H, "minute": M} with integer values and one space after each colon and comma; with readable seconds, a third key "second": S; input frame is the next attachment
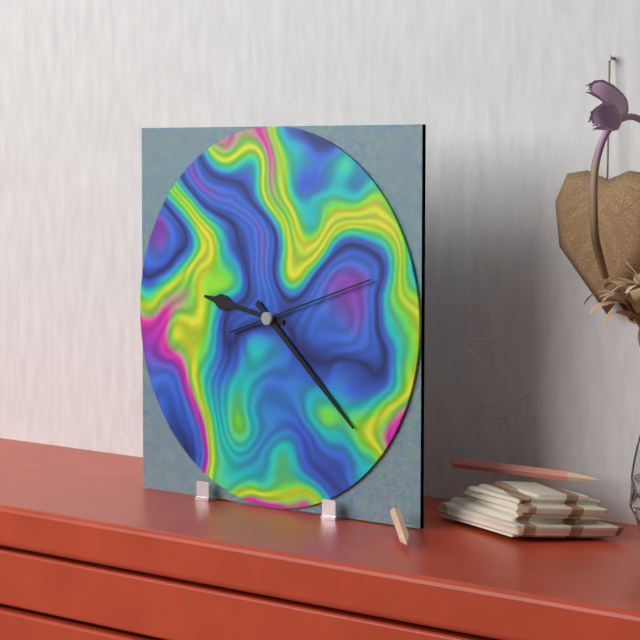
{"hour": 9, "minute": 22, "second": 12}
